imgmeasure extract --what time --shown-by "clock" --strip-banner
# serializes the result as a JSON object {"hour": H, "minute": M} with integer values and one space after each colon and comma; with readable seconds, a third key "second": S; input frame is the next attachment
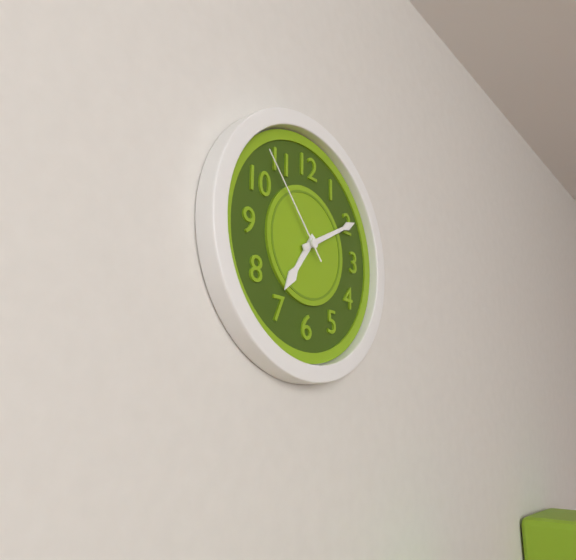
{"hour": 7, "minute": 10, "second": 53}
